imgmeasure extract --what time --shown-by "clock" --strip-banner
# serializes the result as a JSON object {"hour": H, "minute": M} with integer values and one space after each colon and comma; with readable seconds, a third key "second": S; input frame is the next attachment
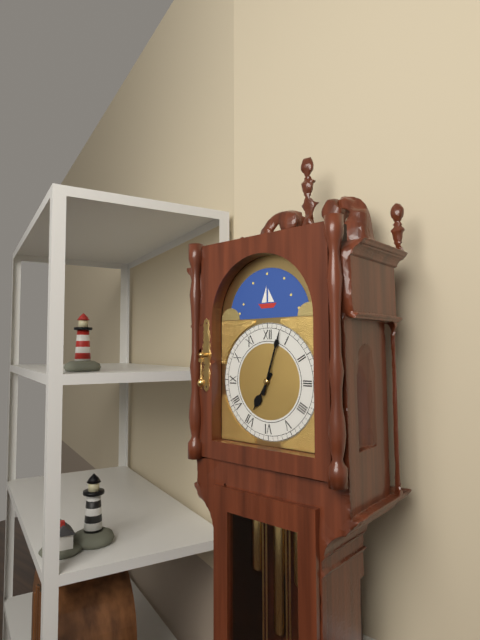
{"hour": 7, "minute": 3}
